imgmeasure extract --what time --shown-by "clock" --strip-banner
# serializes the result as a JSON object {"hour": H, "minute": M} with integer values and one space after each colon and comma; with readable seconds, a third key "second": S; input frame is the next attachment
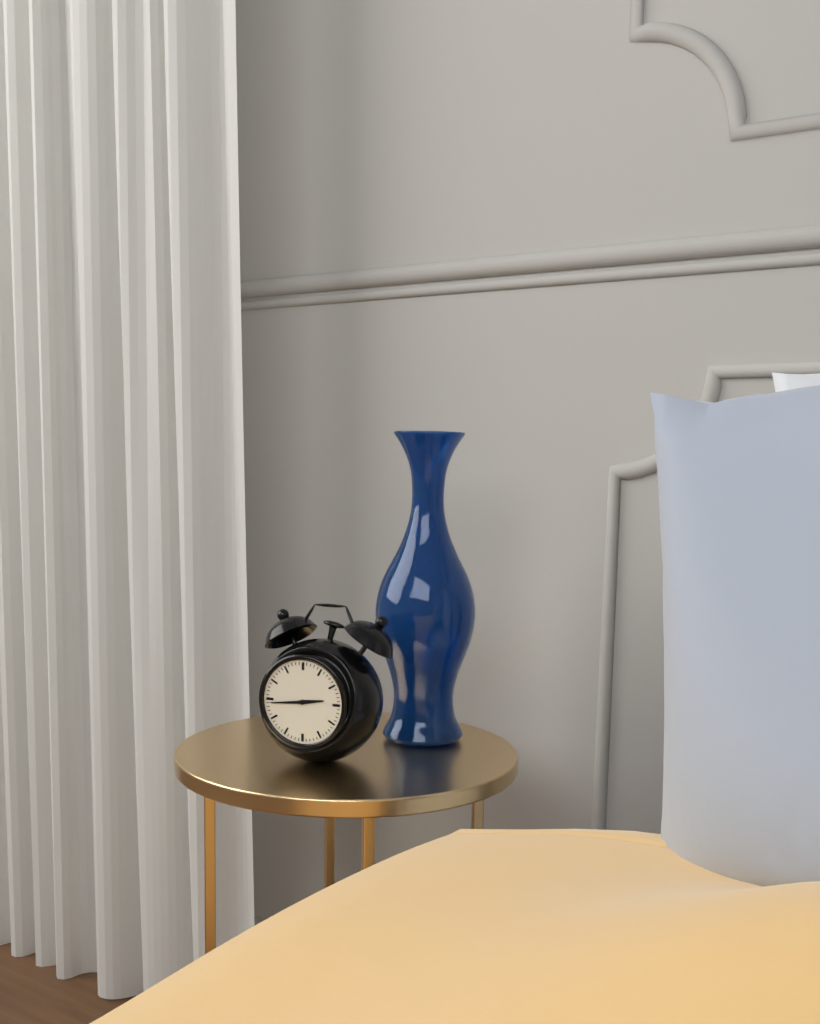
{"hour": 2, "minute": 44}
